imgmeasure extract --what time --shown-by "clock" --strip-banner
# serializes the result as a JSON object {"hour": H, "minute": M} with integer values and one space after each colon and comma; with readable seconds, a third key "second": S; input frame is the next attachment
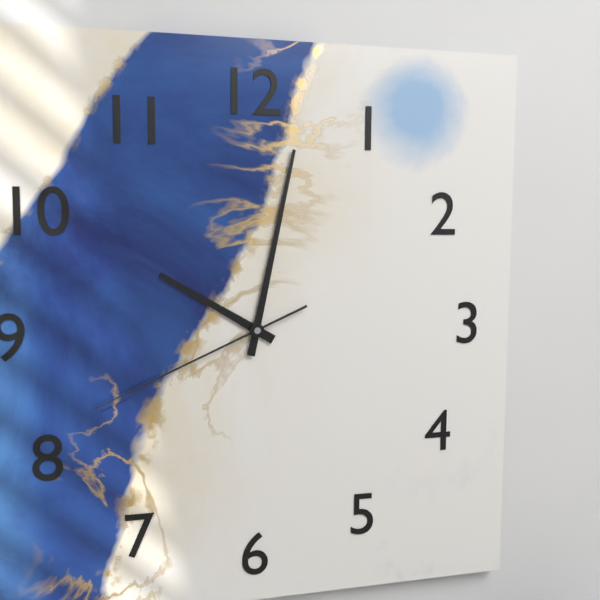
{"hour": 10, "minute": 2, "second": 41}
